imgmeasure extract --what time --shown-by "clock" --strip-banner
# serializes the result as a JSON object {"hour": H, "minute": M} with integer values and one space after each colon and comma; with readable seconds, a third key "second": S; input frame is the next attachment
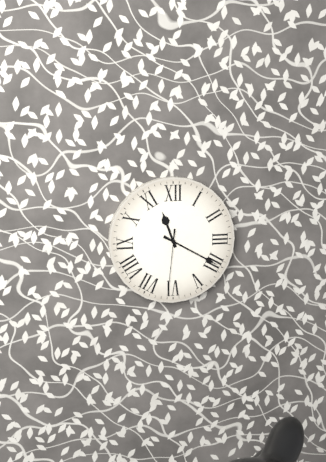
{"hour": 11, "minute": 20, "second": 31}
